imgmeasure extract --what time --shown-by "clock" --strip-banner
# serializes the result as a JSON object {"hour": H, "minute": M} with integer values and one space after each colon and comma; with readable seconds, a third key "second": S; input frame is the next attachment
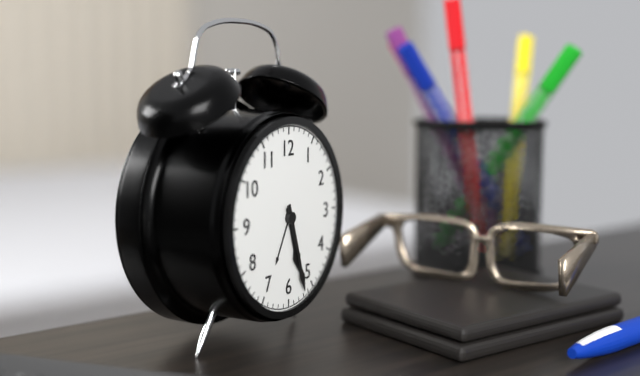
{"hour": 5, "minute": 27}
